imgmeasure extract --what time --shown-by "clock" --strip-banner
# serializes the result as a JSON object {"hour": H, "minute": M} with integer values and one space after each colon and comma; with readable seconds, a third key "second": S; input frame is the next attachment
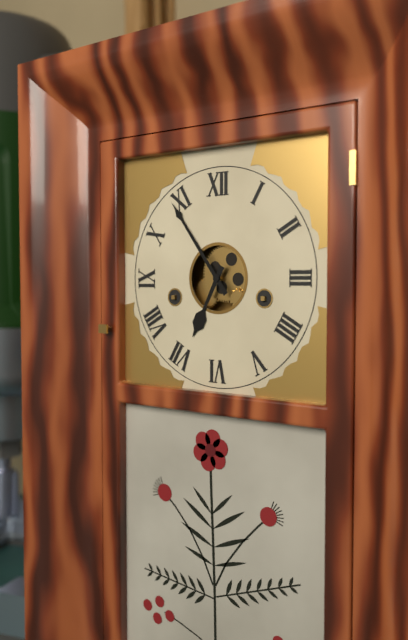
{"hour": 6, "minute": 54}
